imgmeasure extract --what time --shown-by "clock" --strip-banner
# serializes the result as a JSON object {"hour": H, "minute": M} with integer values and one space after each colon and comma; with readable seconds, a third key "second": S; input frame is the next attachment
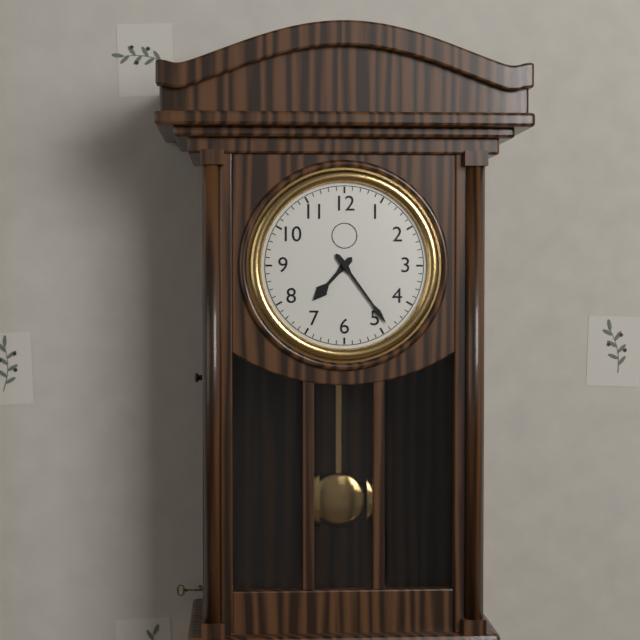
{"hour": 7, "minute": 24}
